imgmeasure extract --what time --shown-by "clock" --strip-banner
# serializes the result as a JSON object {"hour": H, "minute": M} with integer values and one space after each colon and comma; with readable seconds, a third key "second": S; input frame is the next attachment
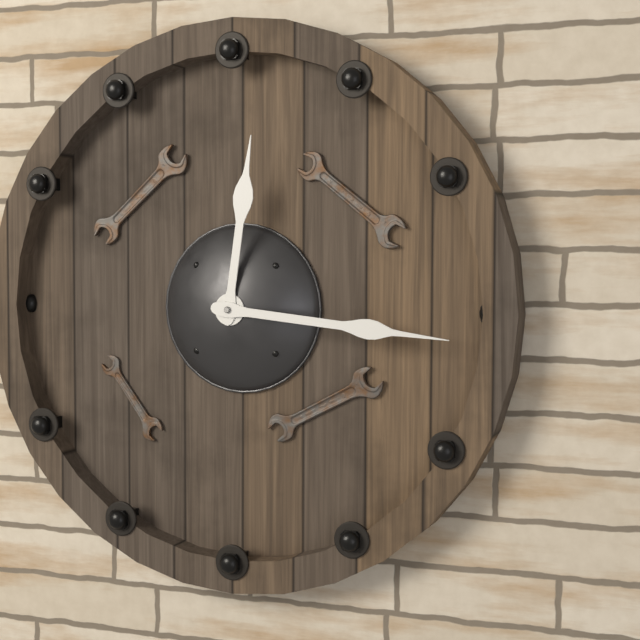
{"hour": 12, "minute": 16}
